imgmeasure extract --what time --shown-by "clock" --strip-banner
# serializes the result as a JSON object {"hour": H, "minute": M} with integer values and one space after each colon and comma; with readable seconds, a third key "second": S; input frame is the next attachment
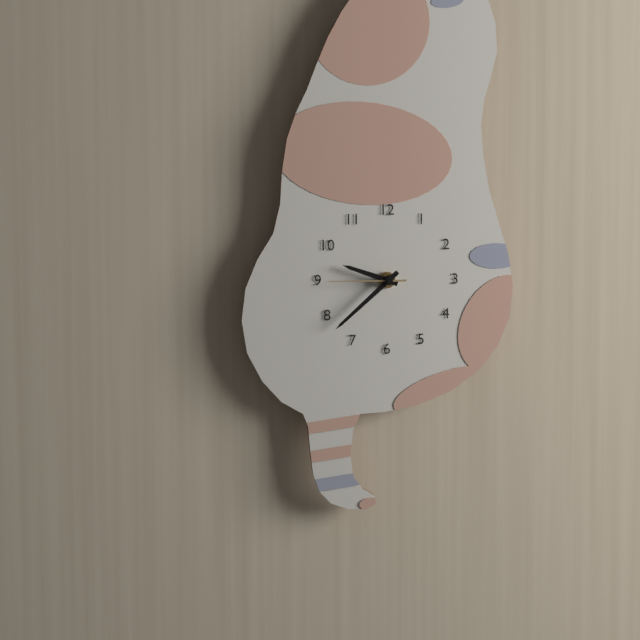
{"hour": 9, "minute": 38, "second": 45}
